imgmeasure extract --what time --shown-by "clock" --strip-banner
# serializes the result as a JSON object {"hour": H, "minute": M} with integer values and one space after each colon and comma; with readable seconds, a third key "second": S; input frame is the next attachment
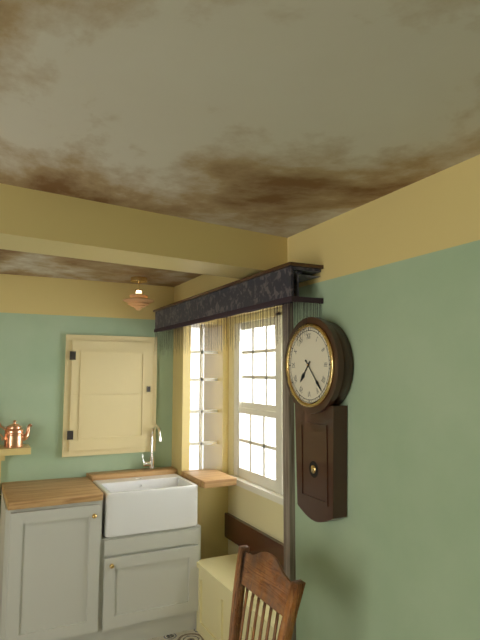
{"hour": 7, "minute": 23}
